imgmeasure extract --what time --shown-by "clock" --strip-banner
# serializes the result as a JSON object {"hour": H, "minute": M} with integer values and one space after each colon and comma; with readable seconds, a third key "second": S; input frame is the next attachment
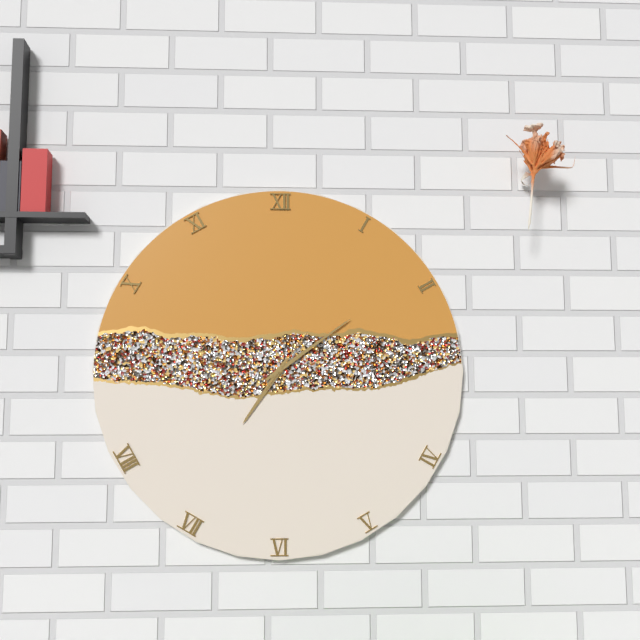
{"hour": 7, "minute": 9, "second": 6}
